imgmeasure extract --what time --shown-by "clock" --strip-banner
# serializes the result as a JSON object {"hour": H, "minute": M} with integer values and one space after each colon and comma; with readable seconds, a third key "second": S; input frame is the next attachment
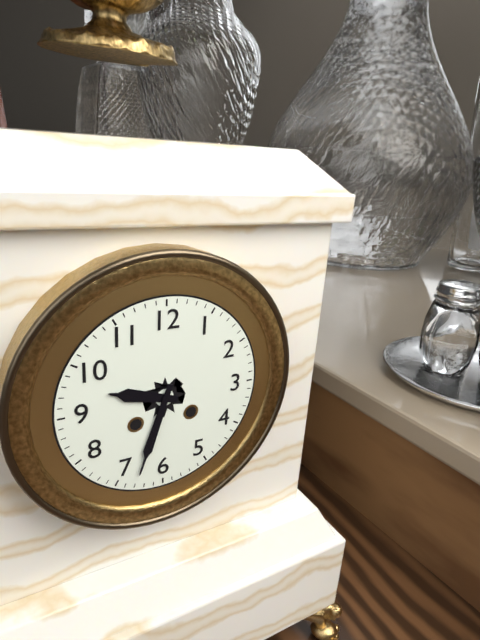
{"hour": 9, "minute": 33}
